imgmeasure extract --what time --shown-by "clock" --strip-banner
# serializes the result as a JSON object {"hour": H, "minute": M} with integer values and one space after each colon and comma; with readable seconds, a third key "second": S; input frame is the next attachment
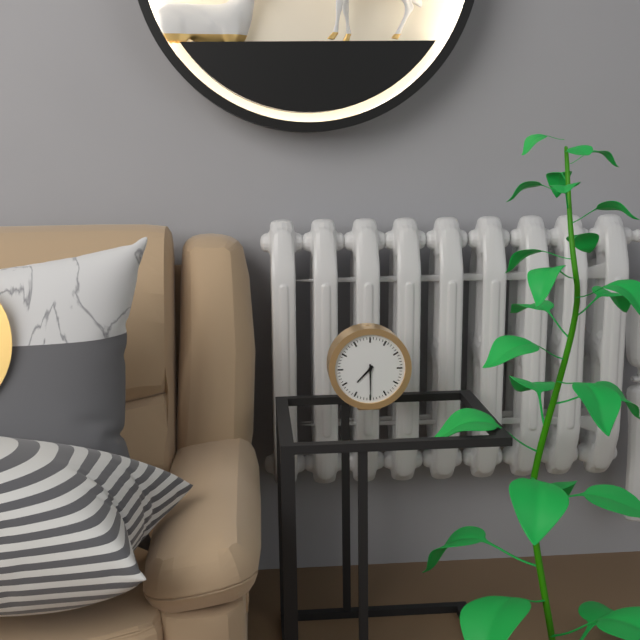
{"hour": 7, "minute": 30}
